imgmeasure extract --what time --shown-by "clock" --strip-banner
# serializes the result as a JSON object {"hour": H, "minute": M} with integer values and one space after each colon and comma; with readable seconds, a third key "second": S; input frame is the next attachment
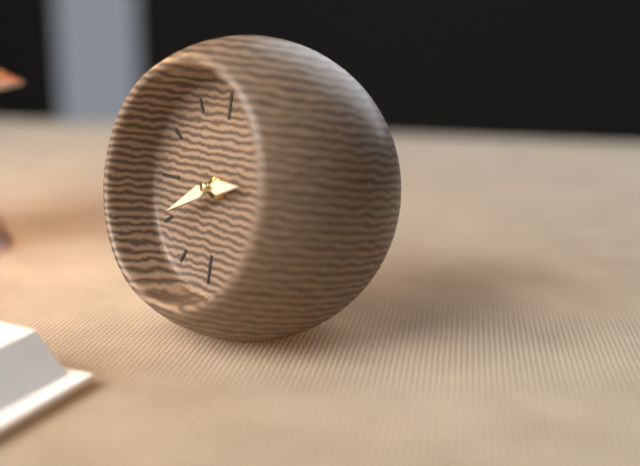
{"hour": 2, "minute": 40}
